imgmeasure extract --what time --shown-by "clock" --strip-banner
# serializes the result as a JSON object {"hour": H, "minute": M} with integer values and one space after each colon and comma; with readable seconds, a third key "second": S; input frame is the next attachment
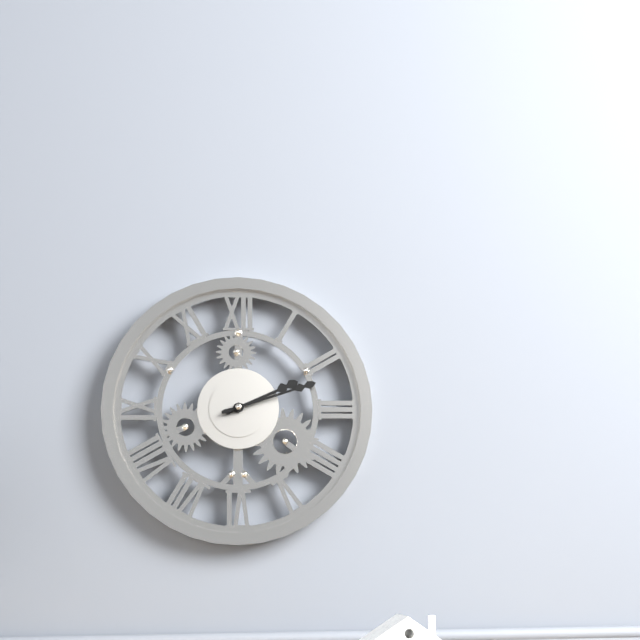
{"hour": 2, "minute": 12}
